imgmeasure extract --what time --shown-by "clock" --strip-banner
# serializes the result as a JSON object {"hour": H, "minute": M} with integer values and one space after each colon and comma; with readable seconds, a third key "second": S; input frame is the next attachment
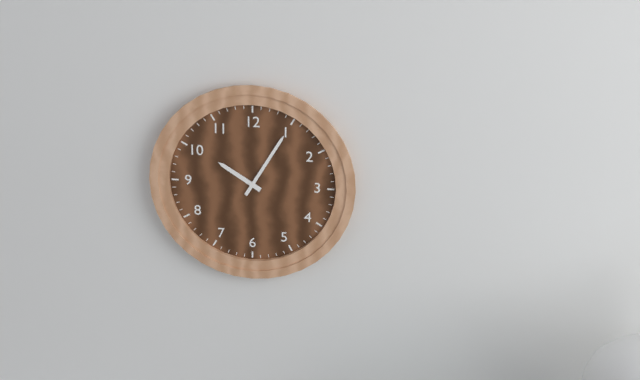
{"hour": 10, "minute": 5}
